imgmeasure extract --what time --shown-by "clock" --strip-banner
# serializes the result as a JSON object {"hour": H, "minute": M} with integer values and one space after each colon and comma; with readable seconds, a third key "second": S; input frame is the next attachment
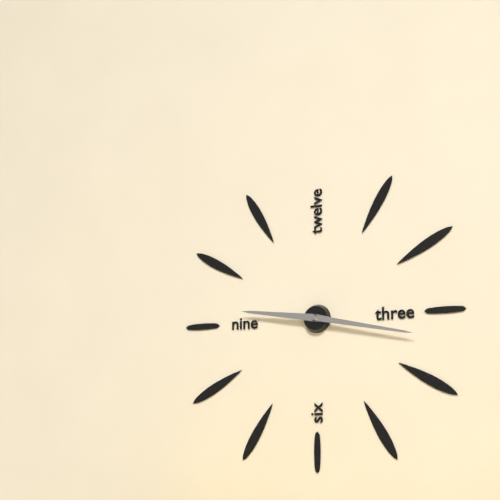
{"hour": 9, "minute": 17}
